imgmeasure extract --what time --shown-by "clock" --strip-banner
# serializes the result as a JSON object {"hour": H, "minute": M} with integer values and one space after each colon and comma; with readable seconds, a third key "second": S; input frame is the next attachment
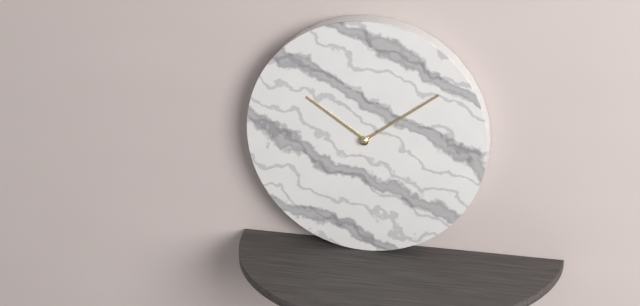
{"hour": 10, "minute": 9}
